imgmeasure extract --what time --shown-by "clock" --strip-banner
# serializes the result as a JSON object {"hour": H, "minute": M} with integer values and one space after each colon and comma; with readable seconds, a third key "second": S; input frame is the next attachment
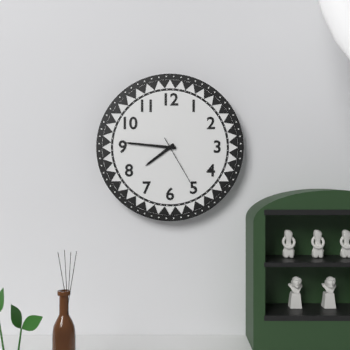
{"hour": 7, "minute": 46, "second": 25}
